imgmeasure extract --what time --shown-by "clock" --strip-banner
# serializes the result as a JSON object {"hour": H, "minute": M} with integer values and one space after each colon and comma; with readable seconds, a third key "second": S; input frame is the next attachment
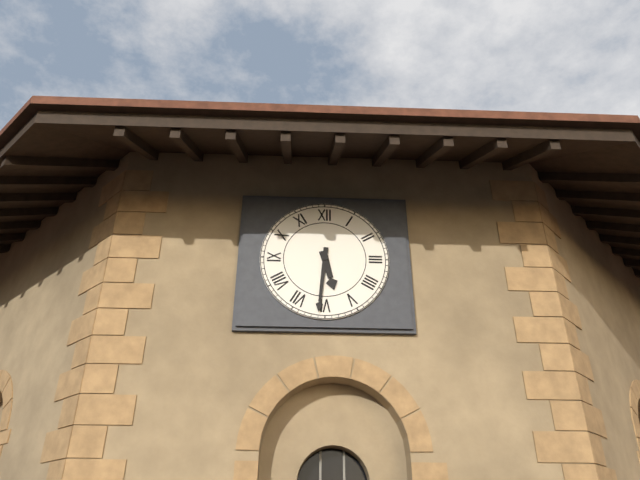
{"hour": 5, "minute": 31}
